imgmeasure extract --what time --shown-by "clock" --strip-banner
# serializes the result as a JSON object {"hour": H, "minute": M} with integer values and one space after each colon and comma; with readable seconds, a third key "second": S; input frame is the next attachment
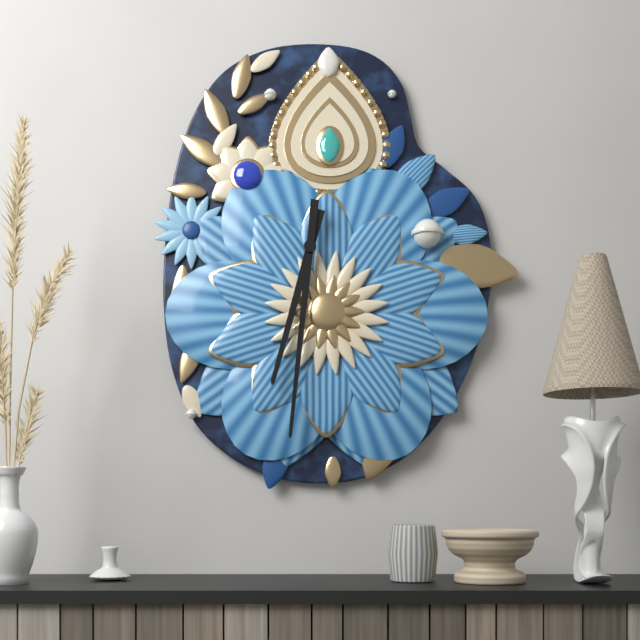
{"hour": 6, "minute": 31}
